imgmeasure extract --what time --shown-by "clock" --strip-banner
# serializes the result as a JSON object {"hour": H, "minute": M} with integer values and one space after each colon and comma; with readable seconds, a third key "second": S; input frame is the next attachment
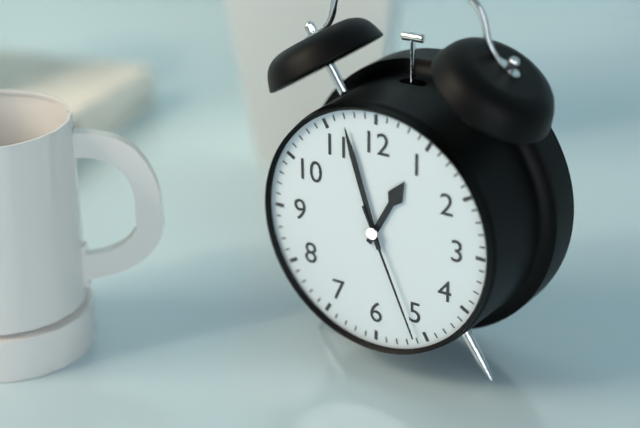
{"hour": 12, "minute": 57, "second": 26}
